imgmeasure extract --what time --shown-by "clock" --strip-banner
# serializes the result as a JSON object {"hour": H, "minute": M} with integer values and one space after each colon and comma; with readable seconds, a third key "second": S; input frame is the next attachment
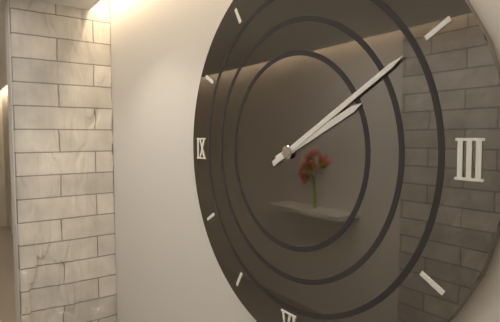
{"hour": 2, "minute": 10}
